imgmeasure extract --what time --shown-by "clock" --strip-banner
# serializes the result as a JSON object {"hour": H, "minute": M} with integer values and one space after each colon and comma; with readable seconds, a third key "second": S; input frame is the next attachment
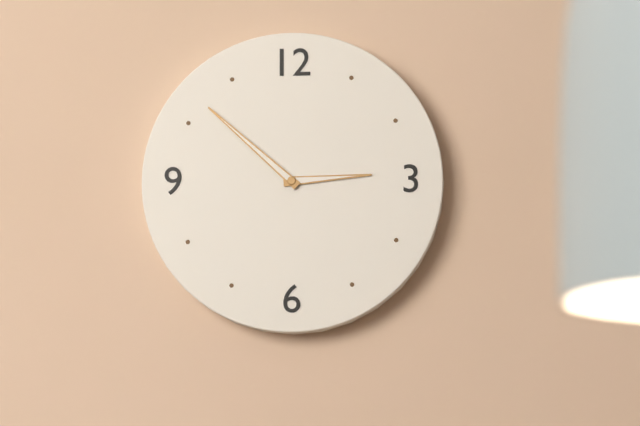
{"hour": 2, "minute": 52}
